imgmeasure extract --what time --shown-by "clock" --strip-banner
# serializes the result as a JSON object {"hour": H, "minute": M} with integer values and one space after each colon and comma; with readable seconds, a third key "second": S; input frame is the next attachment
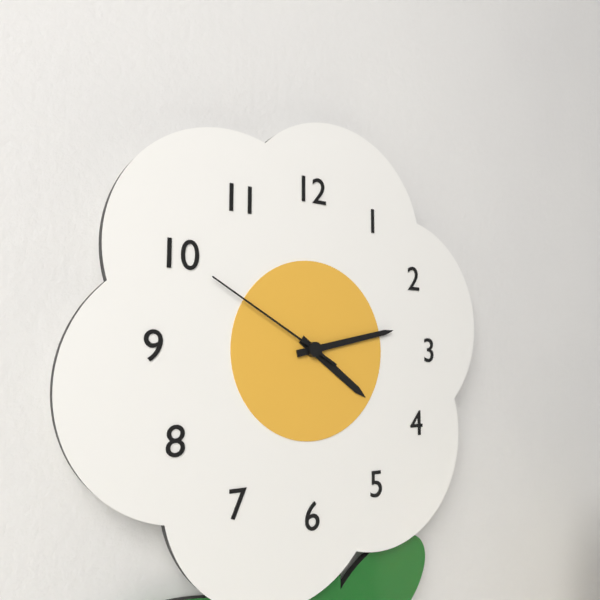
{"hour": 4, "minute": 13, "second": 50}
